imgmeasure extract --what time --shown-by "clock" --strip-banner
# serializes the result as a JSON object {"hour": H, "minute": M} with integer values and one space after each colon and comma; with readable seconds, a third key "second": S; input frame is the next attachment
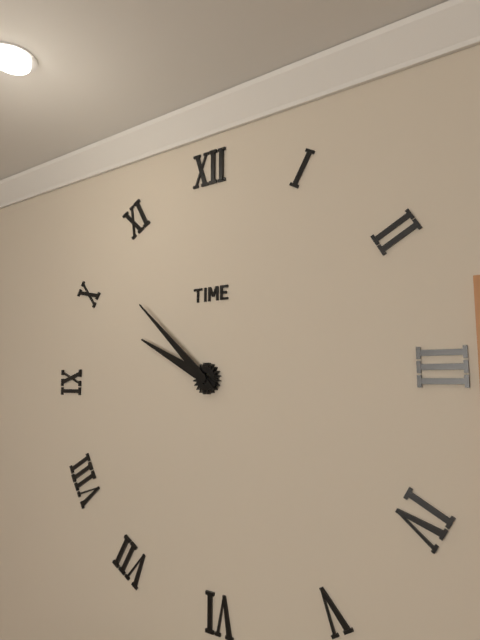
{"hour": 9, "minute": 52}
